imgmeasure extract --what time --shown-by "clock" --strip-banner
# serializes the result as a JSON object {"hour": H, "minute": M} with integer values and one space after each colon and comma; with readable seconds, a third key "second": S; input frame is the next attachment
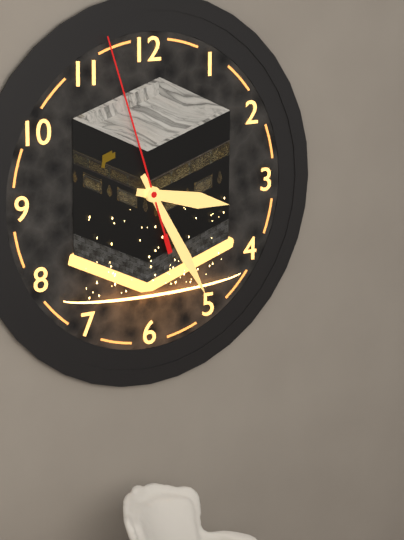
{"hour": 3, "minute": 25, "second": 57}
